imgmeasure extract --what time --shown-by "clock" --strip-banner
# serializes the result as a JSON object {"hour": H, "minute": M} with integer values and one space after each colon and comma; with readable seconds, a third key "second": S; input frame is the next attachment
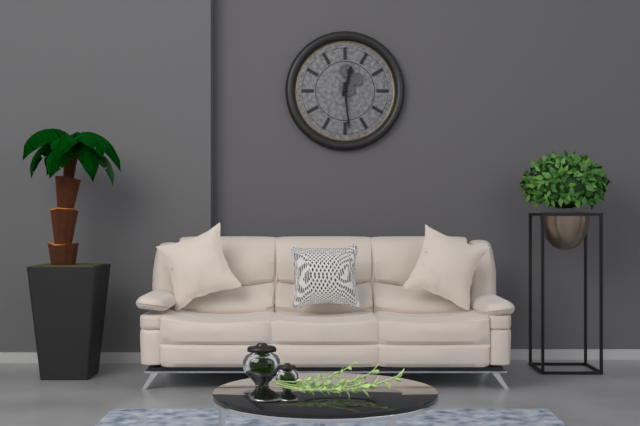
{"hour": 12, "minute": 29}
